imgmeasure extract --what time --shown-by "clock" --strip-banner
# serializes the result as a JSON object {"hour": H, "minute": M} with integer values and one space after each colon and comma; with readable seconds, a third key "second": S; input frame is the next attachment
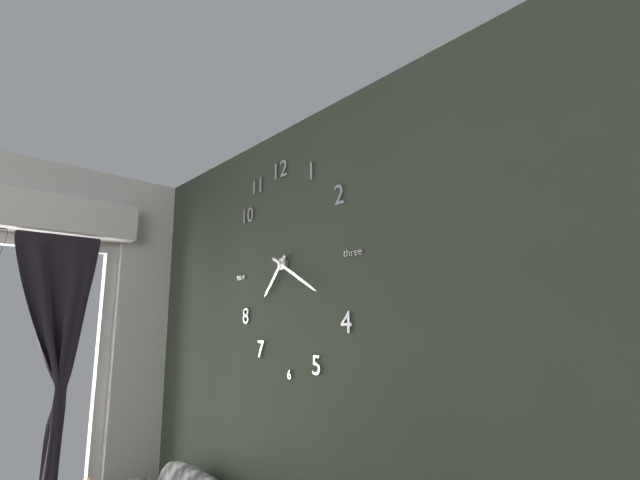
{"hour": 7, "minute": 20}
